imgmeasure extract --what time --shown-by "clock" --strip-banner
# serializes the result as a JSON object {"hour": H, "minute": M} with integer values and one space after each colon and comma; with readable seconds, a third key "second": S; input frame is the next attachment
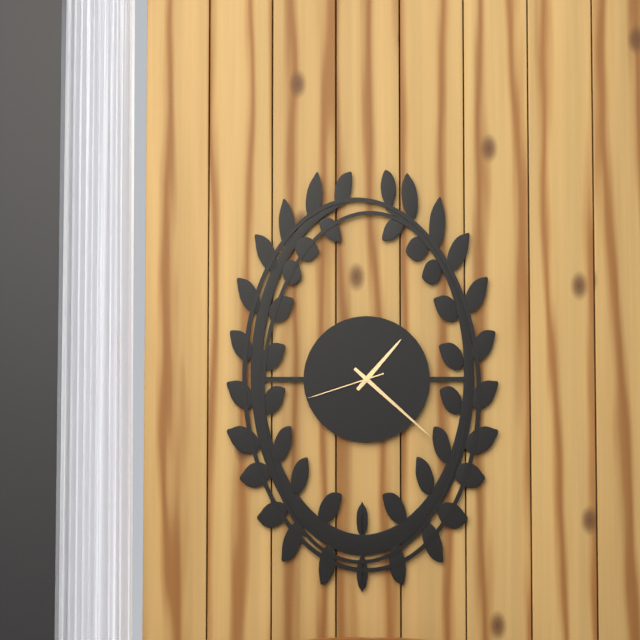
{"hour": 1, "minute": 22, "second": 42}
